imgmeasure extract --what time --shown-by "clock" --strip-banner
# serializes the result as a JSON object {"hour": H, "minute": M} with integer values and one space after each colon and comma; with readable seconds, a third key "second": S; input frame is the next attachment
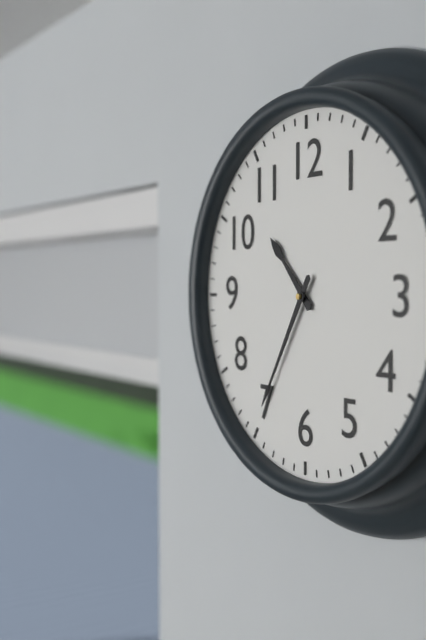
{"hour": 10, "minute": 35}
